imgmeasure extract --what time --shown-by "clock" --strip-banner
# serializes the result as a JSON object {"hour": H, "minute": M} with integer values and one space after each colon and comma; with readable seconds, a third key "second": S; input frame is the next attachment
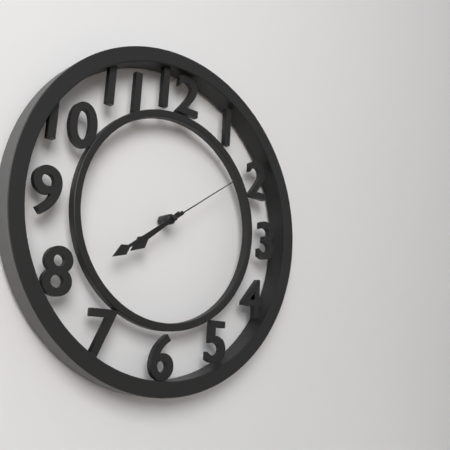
{"hour": 7, "minute": 39, "second": 9}
